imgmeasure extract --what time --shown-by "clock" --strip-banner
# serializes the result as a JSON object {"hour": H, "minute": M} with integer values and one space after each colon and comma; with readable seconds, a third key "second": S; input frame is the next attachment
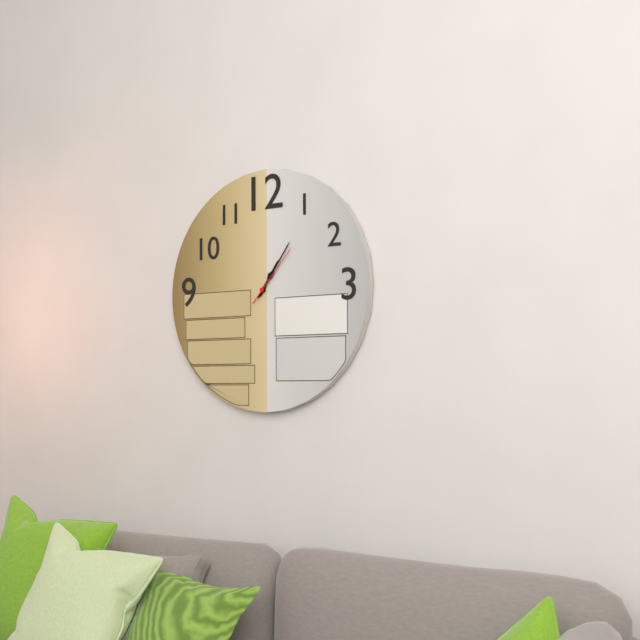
{"hour": 1, "minute": 6, "second": 7}
